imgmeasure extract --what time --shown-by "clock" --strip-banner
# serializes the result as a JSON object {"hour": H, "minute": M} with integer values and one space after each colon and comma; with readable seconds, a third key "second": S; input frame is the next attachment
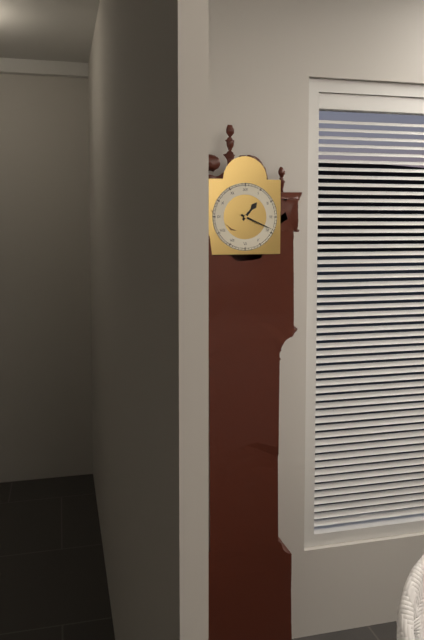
{"hour": 1, "minute": 19}
